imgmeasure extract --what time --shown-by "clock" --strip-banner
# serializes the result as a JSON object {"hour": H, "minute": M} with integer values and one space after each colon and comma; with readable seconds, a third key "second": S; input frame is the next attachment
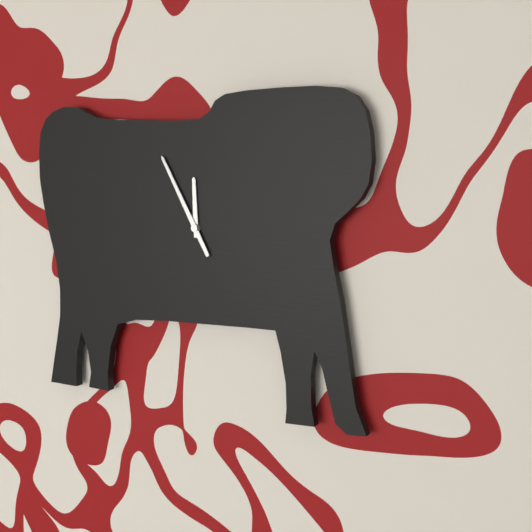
{"hour": 11, "minute": 55}
